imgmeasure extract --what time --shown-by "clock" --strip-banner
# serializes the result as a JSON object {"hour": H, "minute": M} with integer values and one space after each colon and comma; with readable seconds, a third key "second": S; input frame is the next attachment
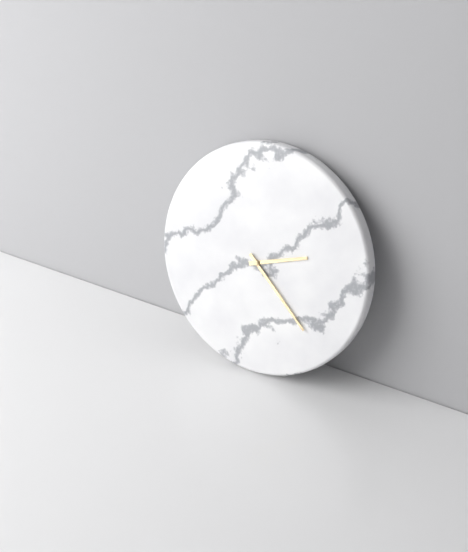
{"hour": 2, "minute": 22}
